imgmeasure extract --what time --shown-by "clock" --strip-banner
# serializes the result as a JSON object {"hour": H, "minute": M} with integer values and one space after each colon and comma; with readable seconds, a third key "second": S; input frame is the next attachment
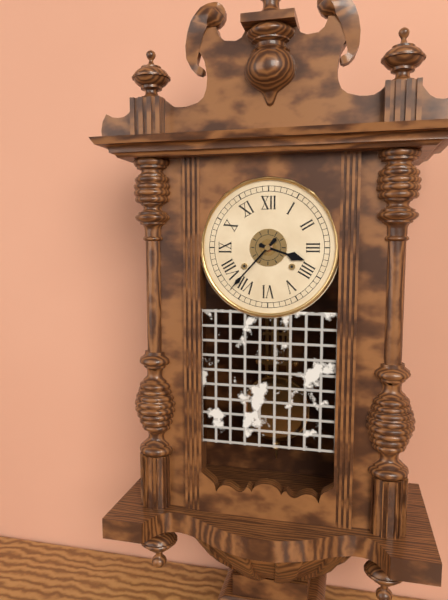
{"hour": 3, "minute": 37}
